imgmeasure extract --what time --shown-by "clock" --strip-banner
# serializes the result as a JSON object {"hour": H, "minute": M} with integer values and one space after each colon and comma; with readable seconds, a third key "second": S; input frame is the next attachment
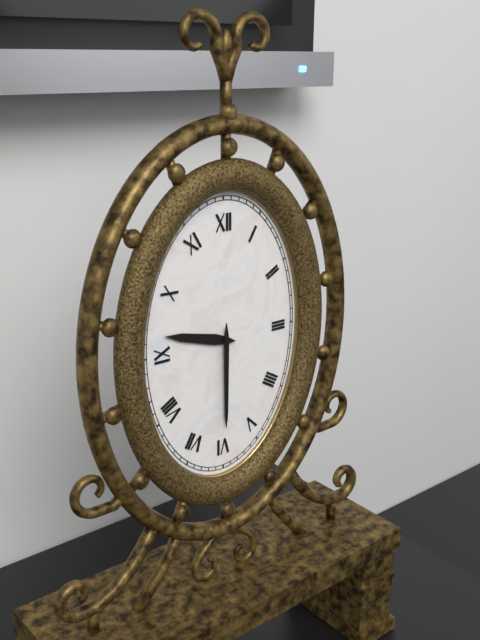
{"hour": 9, "minute": 30}
